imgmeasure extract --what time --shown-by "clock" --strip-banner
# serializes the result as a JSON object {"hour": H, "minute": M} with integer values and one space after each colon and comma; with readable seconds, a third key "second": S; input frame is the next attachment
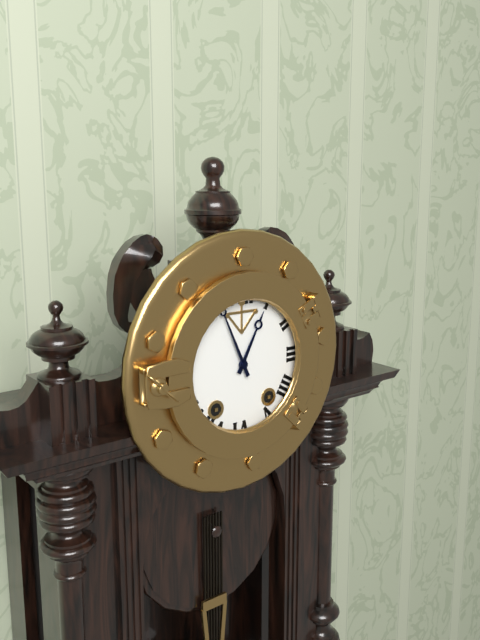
{"hour": 12, "minute": 56}
